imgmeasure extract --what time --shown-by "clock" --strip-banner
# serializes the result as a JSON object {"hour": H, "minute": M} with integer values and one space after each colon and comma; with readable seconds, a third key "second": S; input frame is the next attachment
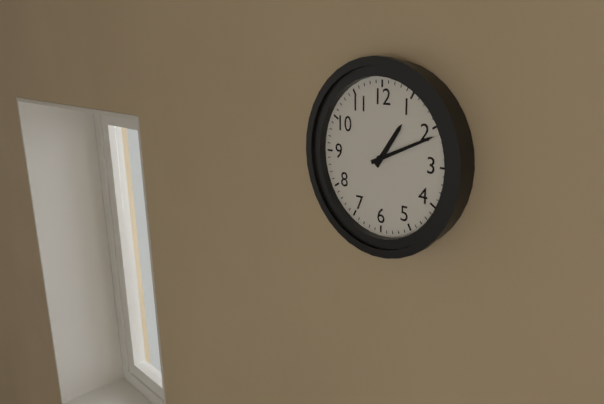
{"hour": 1, "minute": 11}
